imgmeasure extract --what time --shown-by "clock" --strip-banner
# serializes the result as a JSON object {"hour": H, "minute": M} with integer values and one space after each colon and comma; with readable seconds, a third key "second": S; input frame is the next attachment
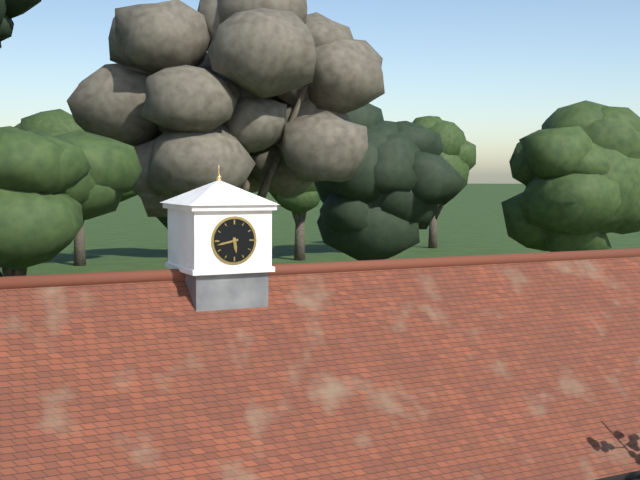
{"hour": 5, "minute": 43}
